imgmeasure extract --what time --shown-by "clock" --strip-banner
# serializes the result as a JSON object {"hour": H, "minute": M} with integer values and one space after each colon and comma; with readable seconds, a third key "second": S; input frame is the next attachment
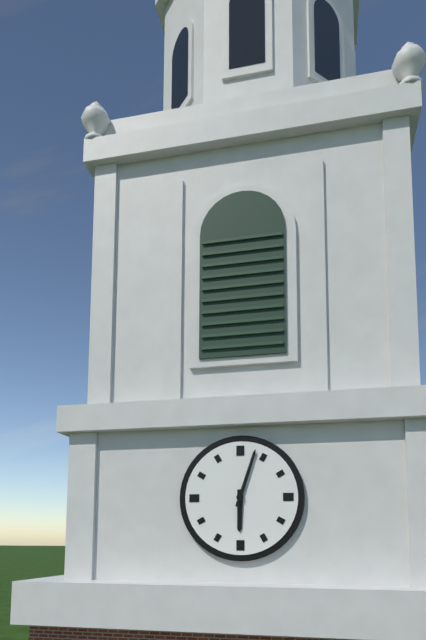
{"hour": 6, "minute": 3}
